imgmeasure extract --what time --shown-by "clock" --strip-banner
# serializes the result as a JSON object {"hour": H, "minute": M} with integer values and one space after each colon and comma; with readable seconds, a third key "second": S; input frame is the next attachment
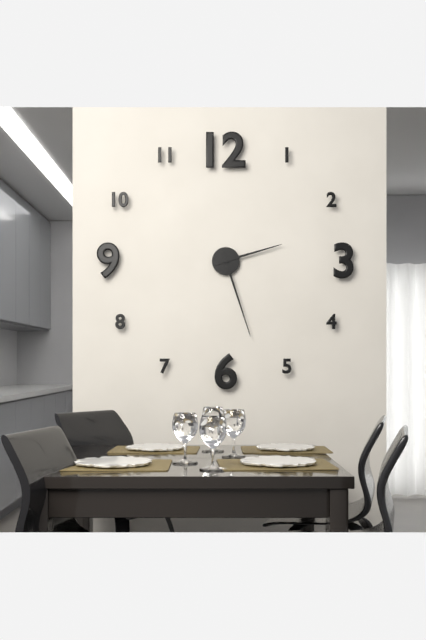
{"hour": 2, "minute": 27}
